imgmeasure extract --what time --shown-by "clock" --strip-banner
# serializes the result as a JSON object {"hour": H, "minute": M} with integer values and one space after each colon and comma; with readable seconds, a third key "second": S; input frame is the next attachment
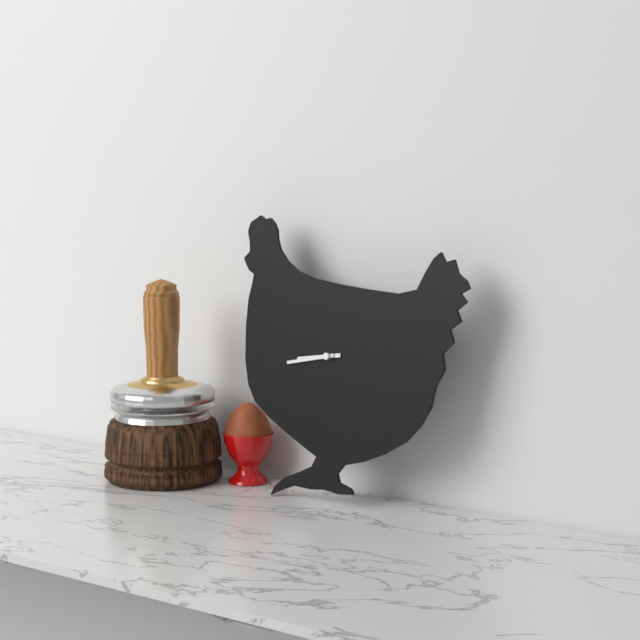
{"hour": 8, "minute": 43}
